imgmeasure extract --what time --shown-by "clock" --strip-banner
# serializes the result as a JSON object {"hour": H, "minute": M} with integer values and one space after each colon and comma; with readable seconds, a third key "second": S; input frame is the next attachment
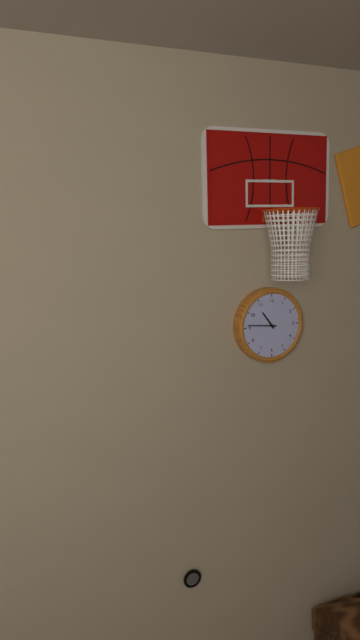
{"hour": 10, "minute": 46}
